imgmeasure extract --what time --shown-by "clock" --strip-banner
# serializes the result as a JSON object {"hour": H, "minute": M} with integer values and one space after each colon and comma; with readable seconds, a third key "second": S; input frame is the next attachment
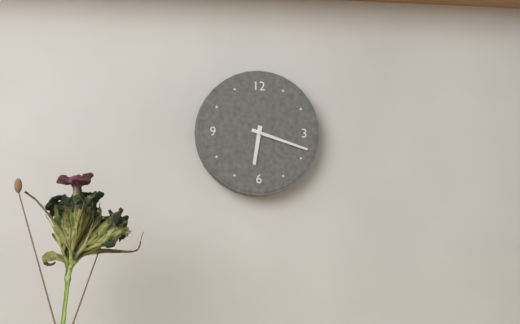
{"hour": 6, "minute": 18}
